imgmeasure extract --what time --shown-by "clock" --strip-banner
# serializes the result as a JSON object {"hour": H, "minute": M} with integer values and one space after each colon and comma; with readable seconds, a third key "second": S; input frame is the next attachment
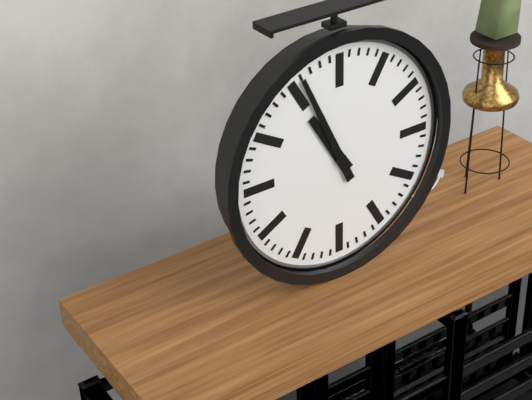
{"hour": 10, "minute": 56}
